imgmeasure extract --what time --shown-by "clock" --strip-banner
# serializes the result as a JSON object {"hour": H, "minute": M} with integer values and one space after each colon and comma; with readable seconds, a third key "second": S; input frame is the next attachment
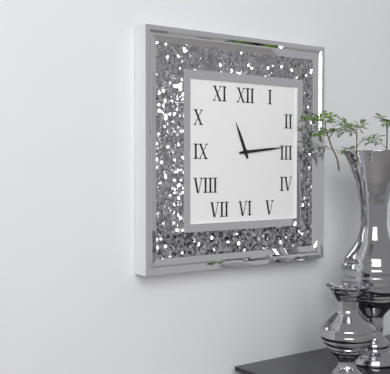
{"hour": 11, "minute": 14}
